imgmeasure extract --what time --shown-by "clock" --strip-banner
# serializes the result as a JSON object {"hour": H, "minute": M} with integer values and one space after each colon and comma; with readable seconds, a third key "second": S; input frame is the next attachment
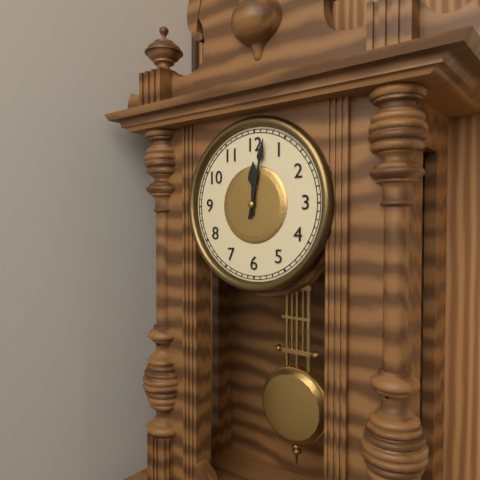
{"hour": 12, "minute": 2}
